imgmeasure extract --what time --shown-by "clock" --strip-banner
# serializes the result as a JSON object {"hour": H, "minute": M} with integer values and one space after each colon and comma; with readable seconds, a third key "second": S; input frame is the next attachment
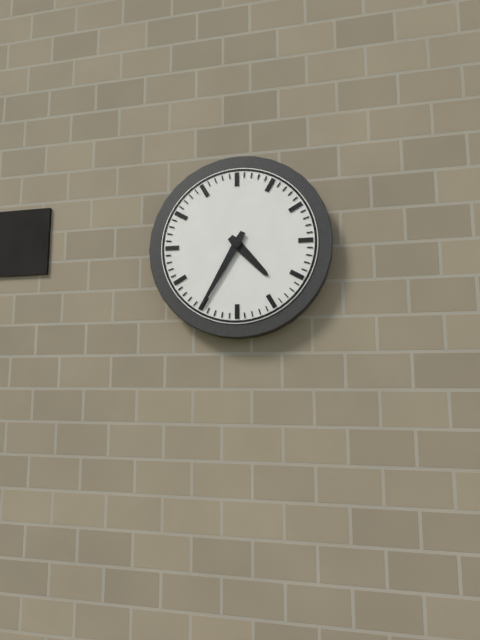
{"hour": 4, "minute": 35}
